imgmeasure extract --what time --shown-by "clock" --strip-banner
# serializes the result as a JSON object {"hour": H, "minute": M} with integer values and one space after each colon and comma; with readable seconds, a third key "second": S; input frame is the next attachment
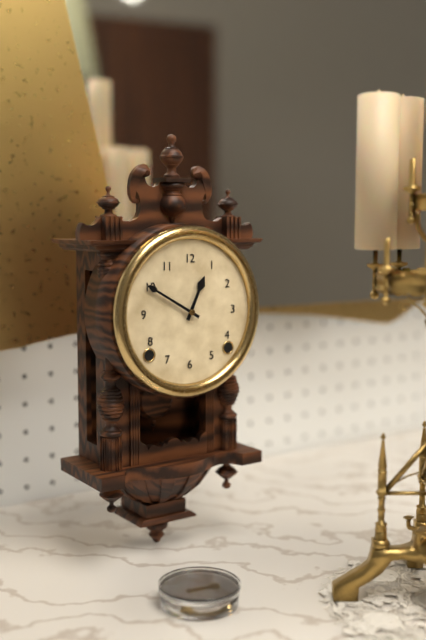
{"hour": 12, "minute": 50}
